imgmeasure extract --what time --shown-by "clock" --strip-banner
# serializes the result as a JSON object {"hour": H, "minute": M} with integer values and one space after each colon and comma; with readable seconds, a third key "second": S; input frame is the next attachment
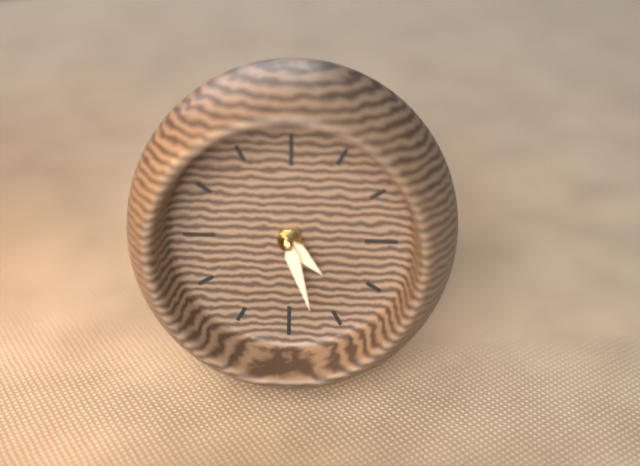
{"hour": 4, "minute": 27}
